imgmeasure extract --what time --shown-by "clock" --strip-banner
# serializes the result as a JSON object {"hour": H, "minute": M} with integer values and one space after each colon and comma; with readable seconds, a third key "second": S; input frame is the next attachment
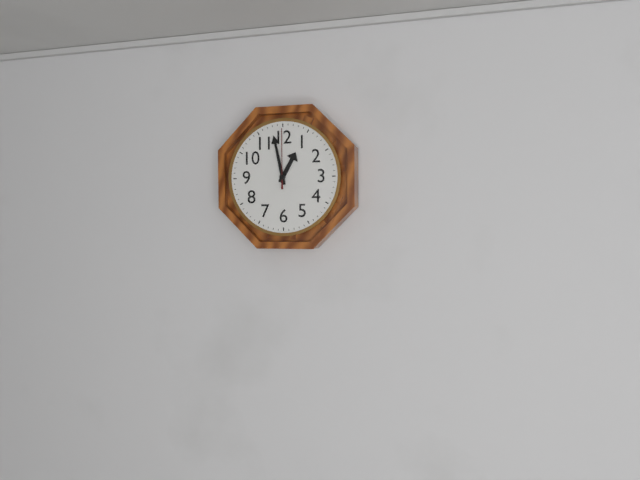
{"hour": 12, "minute": 58, "second": 0}
